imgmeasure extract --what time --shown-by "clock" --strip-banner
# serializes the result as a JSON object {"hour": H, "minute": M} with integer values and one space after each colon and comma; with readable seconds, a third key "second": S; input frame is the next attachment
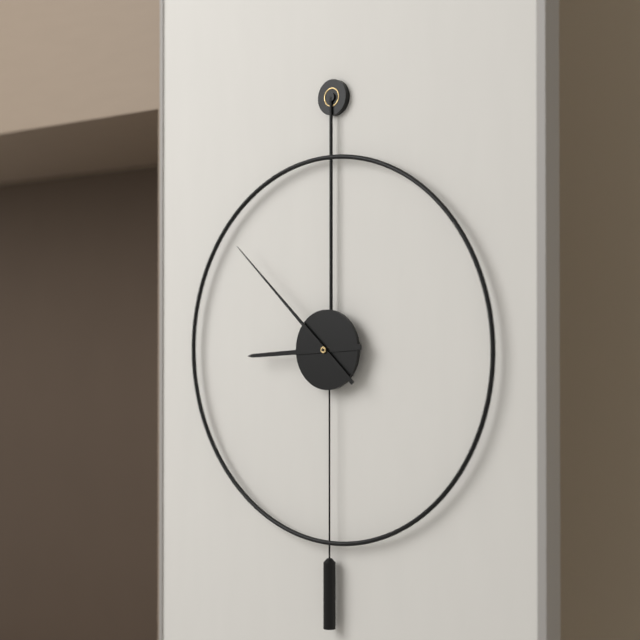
{"hour": 8, "minute": 52}
